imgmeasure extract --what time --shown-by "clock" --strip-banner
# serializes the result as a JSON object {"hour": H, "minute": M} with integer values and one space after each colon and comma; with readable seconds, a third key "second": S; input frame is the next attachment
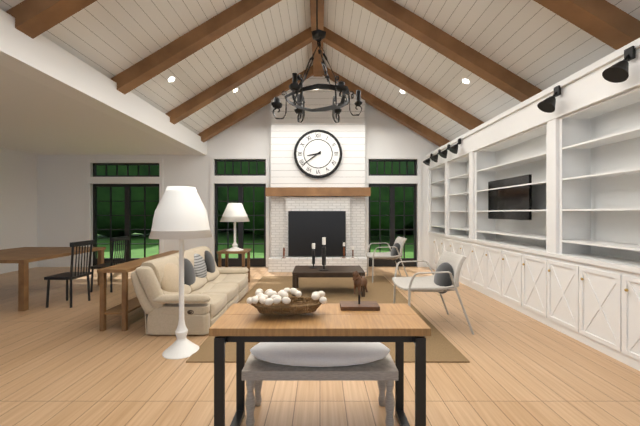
{"hour": 8, "minute": 39}
